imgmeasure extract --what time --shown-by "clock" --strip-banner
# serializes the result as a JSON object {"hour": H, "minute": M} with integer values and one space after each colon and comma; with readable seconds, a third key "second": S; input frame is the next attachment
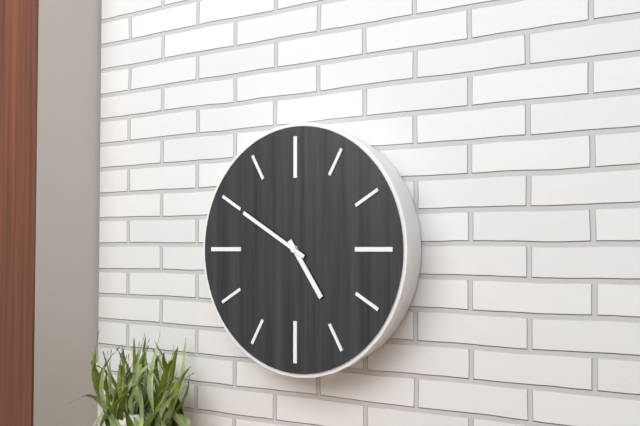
{"hour": 4, "minute": 50}
